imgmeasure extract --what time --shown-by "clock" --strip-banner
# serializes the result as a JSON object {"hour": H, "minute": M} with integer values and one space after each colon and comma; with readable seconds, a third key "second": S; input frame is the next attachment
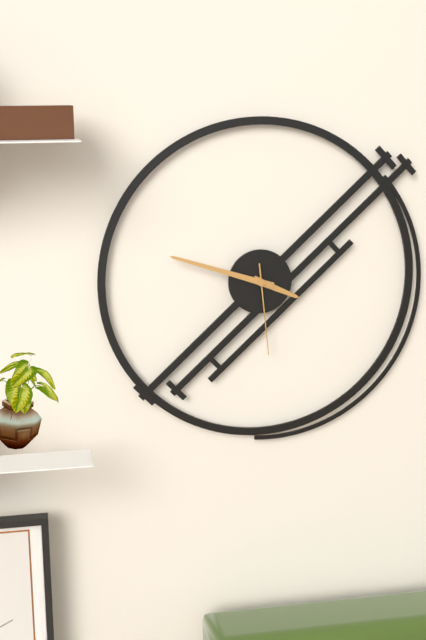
{"hour": 3, "minute": 48, "second": 29}
